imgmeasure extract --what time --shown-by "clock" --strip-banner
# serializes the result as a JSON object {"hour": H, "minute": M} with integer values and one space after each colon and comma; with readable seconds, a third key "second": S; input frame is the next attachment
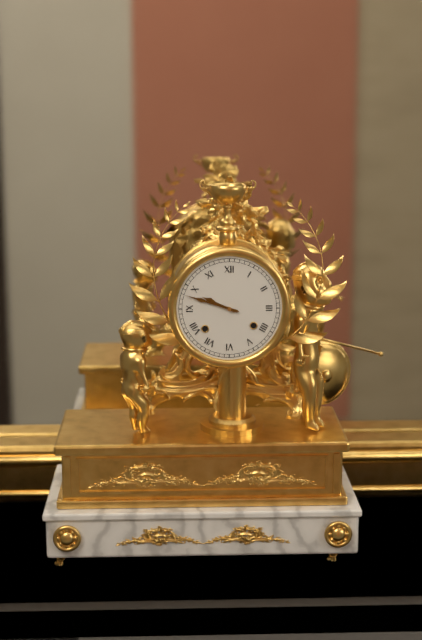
{"hour": 9, "minute": 48}
